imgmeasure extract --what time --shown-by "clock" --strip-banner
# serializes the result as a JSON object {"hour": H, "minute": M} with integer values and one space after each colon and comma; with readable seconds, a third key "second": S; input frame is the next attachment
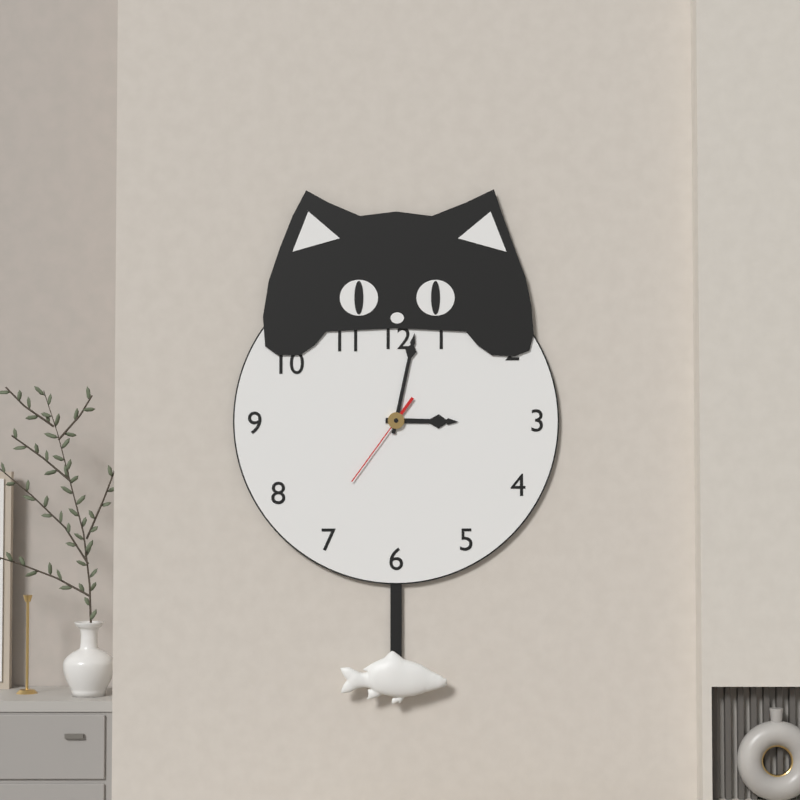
{"hour": 3, "minute": 2, "second": 36}
